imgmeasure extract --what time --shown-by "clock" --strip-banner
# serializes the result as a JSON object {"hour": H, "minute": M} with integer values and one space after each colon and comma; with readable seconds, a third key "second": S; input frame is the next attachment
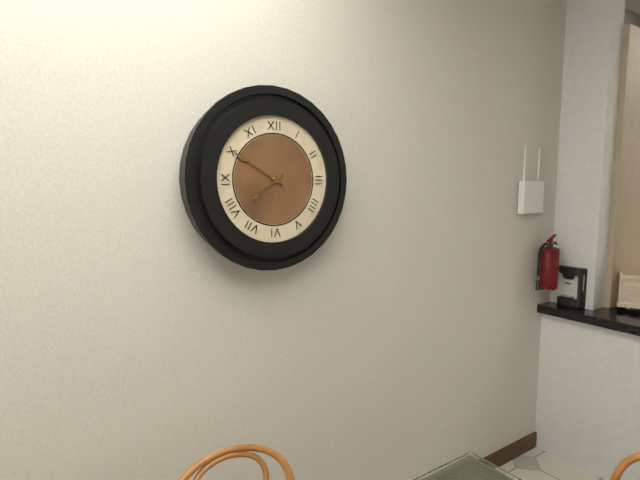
{"hour": 7, "minute": 50}
